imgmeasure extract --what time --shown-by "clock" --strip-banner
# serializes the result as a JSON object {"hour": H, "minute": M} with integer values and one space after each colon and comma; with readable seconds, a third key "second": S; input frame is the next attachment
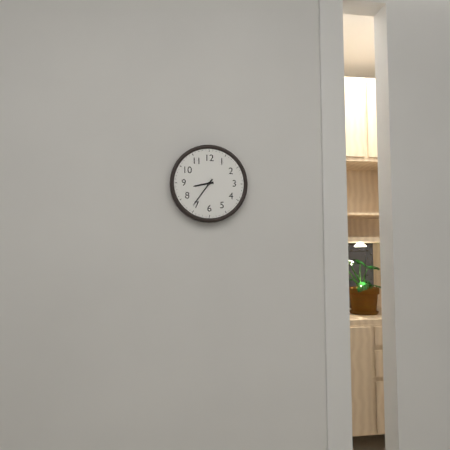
{"hour": 8, "minute": 36}
